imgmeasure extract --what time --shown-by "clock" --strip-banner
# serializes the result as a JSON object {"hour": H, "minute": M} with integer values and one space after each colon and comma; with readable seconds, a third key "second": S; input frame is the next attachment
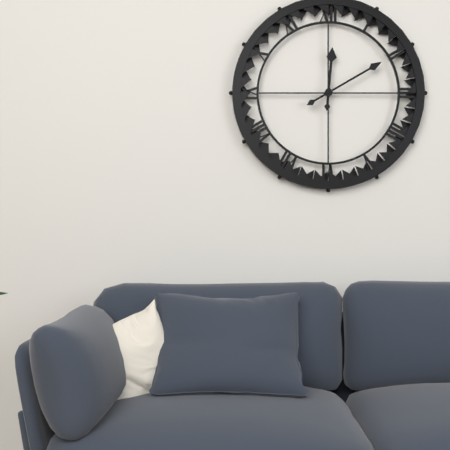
{"hour": 12, "minute": 10}
